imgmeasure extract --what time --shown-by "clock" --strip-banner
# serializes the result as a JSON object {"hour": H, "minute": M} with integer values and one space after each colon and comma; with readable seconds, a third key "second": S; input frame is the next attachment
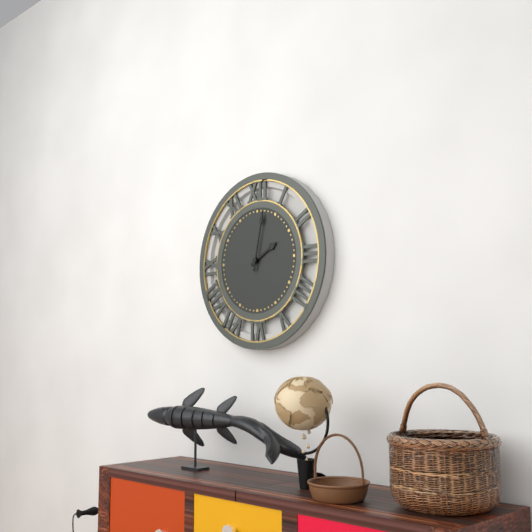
{"hour": 2, "minute": 2}
